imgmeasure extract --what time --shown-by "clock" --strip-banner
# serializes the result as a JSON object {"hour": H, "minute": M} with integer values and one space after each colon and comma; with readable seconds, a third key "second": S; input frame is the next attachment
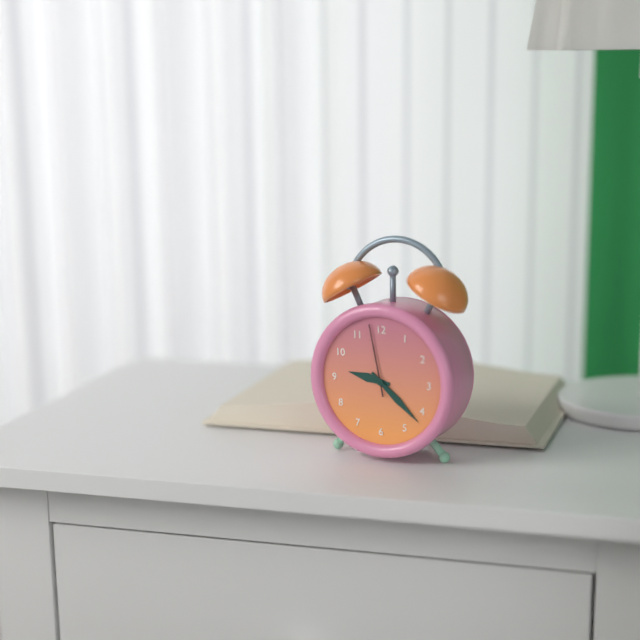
{"hour": 9, "minute": 22, "second": 58}
